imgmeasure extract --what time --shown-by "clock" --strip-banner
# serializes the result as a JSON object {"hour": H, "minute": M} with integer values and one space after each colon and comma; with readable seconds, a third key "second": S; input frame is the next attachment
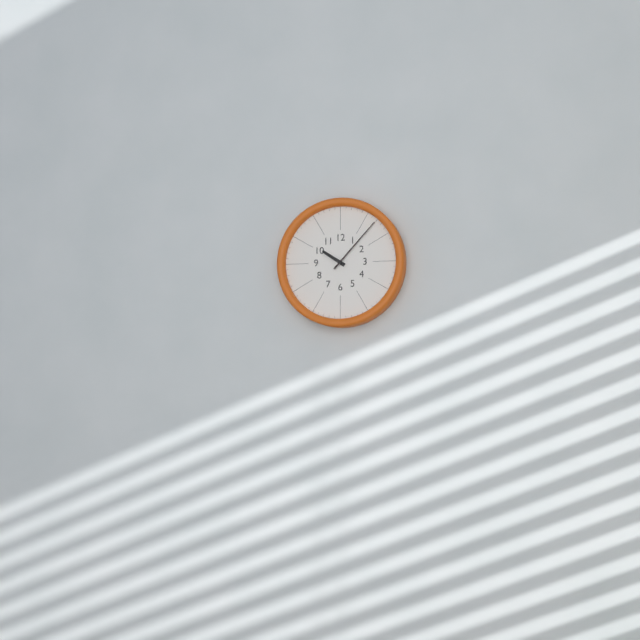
{"hour": 10, "minute": 7}
